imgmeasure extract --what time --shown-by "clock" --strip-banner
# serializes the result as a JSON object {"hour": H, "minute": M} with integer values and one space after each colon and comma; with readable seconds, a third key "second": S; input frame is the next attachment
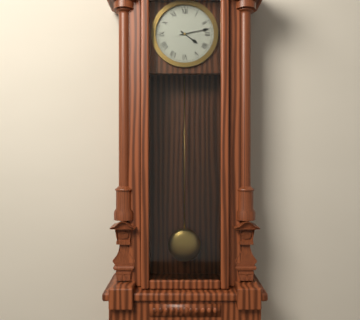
{"hour": 4, "minute": 13}
